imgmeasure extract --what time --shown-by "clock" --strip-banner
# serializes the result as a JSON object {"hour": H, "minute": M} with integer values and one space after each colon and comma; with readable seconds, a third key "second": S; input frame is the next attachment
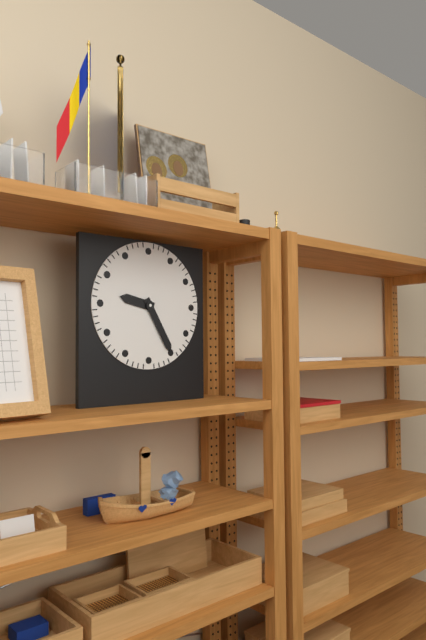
{"hour": 9, "minute": 25}
